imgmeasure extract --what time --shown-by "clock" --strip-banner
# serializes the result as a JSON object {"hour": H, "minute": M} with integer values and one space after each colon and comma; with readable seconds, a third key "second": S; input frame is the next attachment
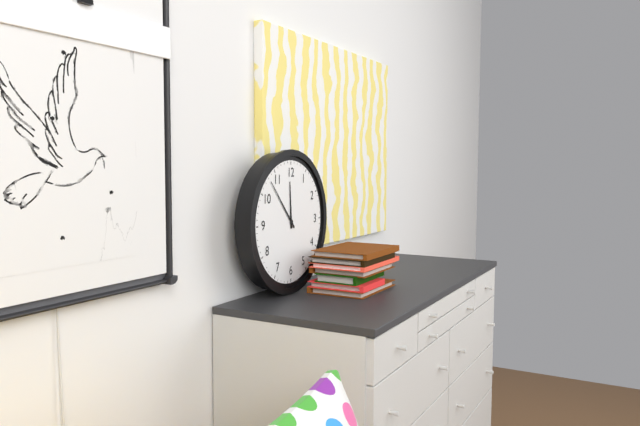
{"hour": 11, "minute": 53}
